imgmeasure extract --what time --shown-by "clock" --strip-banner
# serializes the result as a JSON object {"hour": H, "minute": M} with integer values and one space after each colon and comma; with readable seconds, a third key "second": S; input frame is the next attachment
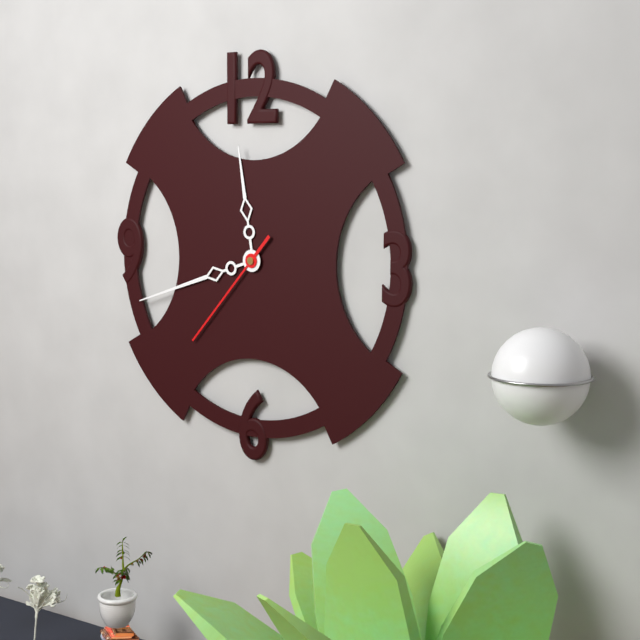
{"hour": 11, "minute": 42, "second": 37}
